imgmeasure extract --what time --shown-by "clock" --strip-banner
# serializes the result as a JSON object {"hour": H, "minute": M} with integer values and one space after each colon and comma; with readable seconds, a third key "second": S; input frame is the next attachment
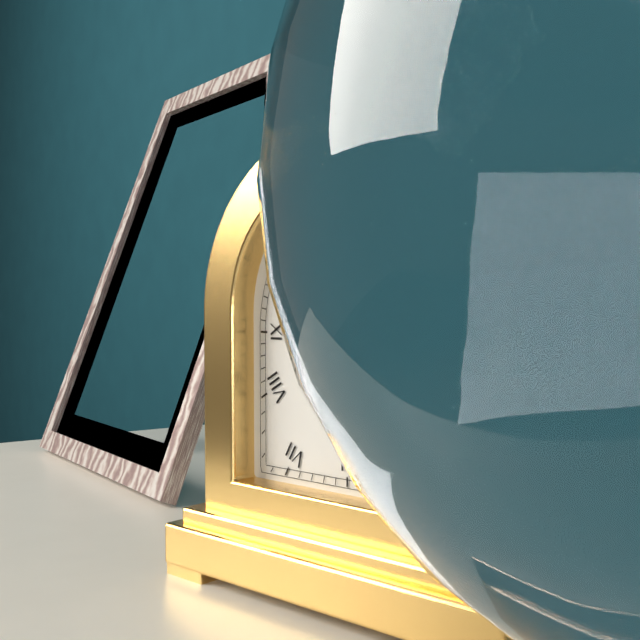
{"hour": 6, "minute": 18}
